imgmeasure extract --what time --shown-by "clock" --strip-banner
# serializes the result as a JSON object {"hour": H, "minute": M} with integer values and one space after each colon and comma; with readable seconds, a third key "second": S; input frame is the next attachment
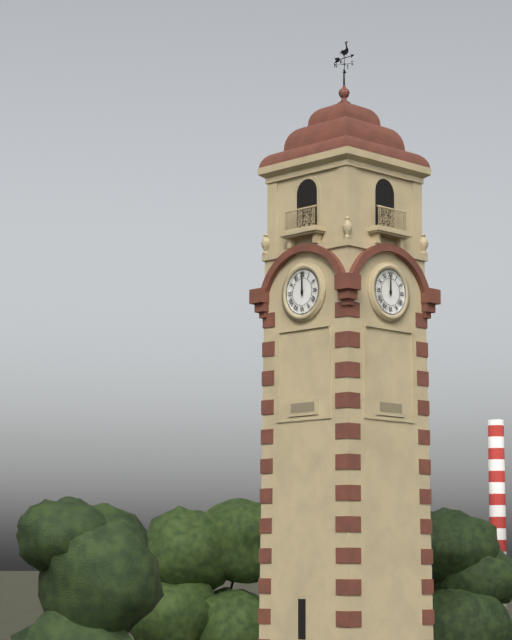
{"hour": 12, "minute": 0}
